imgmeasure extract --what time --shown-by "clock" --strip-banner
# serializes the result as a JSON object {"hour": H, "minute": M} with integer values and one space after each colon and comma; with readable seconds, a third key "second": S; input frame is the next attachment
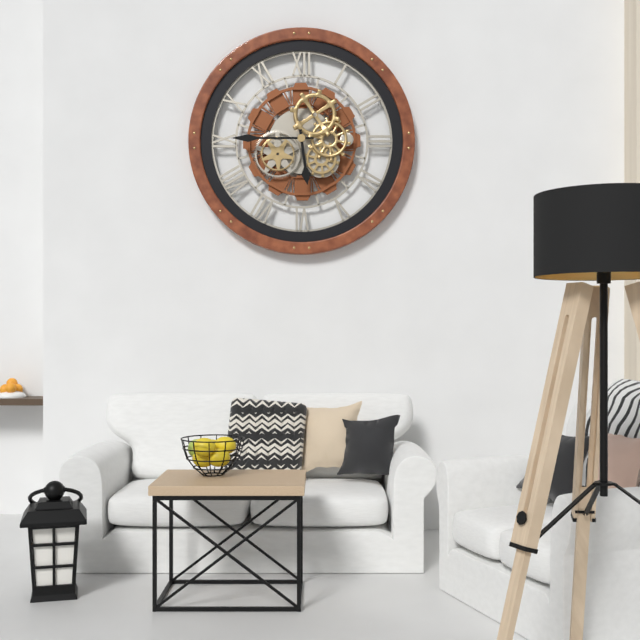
{"hour": 5, "minute": 45}
